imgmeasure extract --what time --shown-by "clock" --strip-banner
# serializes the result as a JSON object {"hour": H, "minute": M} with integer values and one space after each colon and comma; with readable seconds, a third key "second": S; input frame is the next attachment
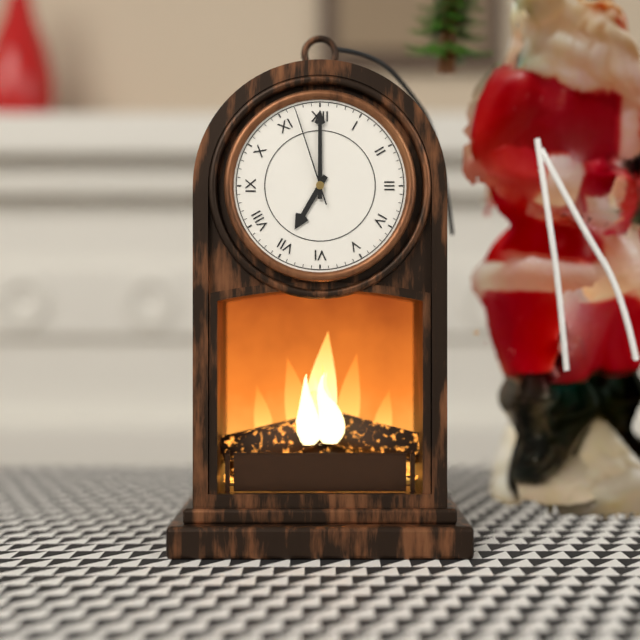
{"hour": 7, "minute": 0, "second": 57}
